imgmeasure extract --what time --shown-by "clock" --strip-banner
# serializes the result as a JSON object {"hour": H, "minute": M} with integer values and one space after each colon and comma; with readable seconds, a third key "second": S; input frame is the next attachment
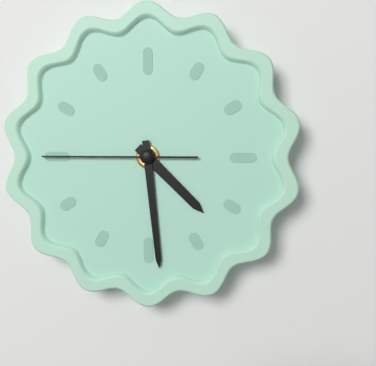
{"hour": 4, "minute": 29, "second": 45}
